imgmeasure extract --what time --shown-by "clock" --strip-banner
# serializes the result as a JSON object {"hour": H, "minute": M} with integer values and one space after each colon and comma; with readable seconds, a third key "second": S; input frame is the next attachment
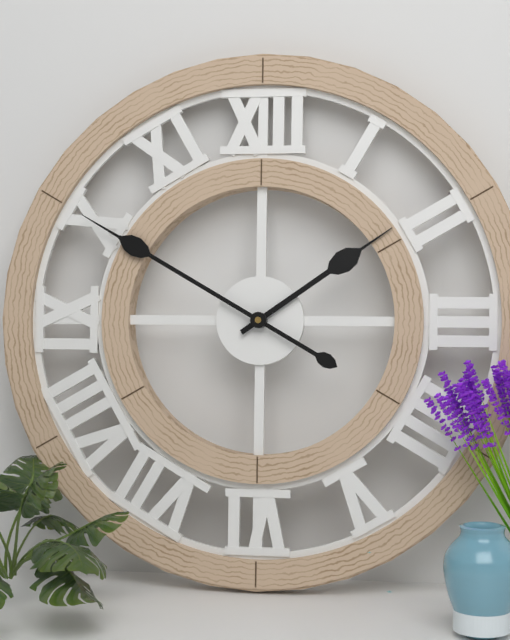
{"hour": 1, "minute": 50}
